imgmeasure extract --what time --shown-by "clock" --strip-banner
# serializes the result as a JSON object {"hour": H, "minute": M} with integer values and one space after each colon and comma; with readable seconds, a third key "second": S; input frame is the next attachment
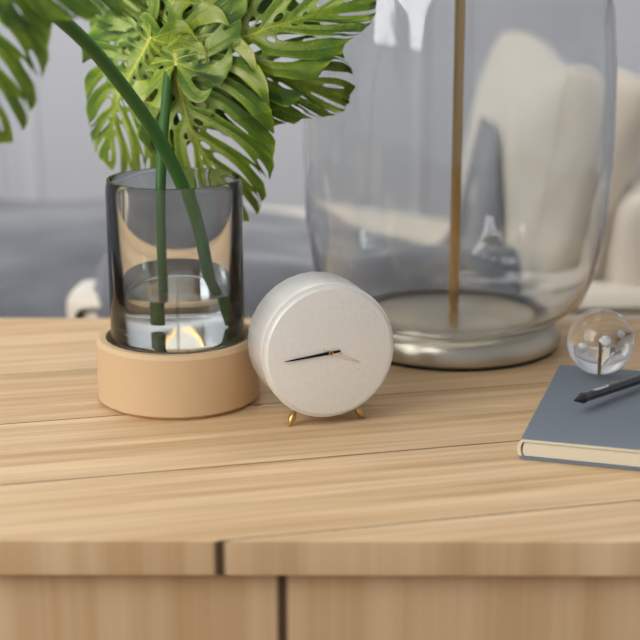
{"hour": 3, "minute": 44}
